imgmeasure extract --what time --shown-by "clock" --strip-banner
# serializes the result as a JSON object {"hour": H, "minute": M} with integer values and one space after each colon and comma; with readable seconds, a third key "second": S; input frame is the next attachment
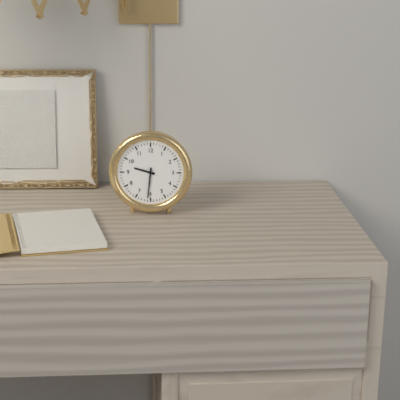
{"hour": 9, "minute": 31}
